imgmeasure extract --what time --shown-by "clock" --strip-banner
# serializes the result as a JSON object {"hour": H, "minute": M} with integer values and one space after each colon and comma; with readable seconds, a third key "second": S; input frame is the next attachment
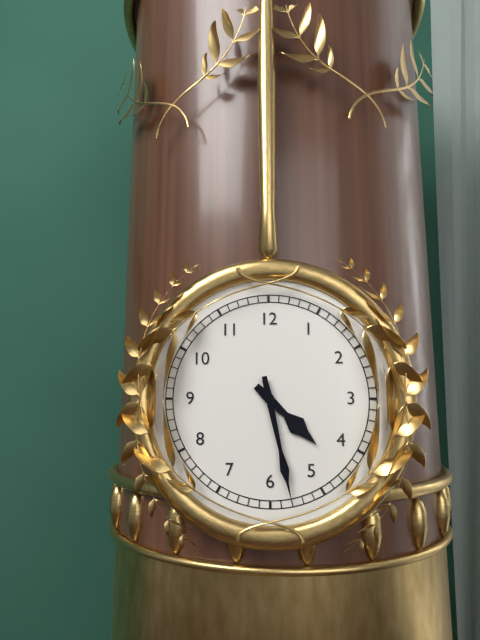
{"hour": 4, "minute": 28}
